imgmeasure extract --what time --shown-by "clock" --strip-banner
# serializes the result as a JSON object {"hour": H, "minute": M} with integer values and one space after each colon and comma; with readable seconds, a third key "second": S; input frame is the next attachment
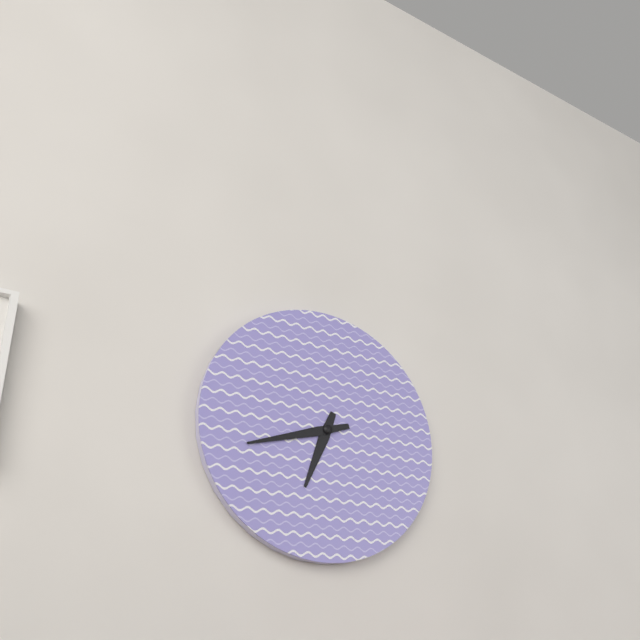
{"hour": 6, "minute": 42}
